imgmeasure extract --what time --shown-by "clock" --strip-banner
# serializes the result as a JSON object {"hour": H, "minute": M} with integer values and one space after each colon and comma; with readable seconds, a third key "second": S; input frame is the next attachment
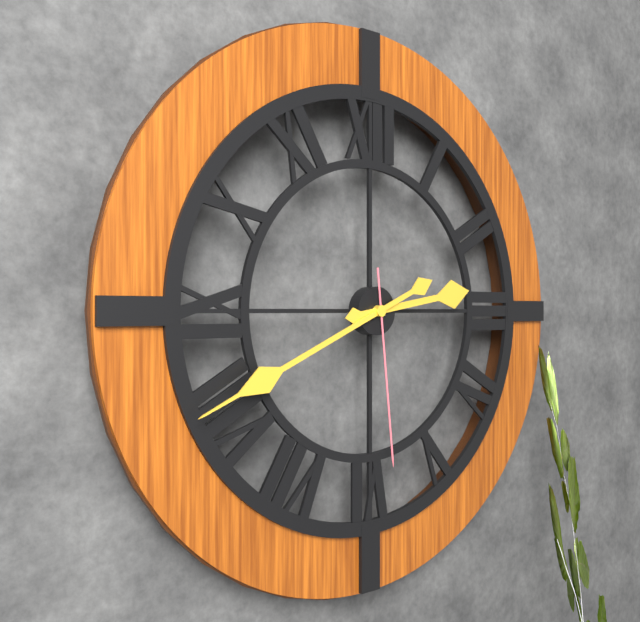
{"hour": 2, "minute": 41, "second": 29}
